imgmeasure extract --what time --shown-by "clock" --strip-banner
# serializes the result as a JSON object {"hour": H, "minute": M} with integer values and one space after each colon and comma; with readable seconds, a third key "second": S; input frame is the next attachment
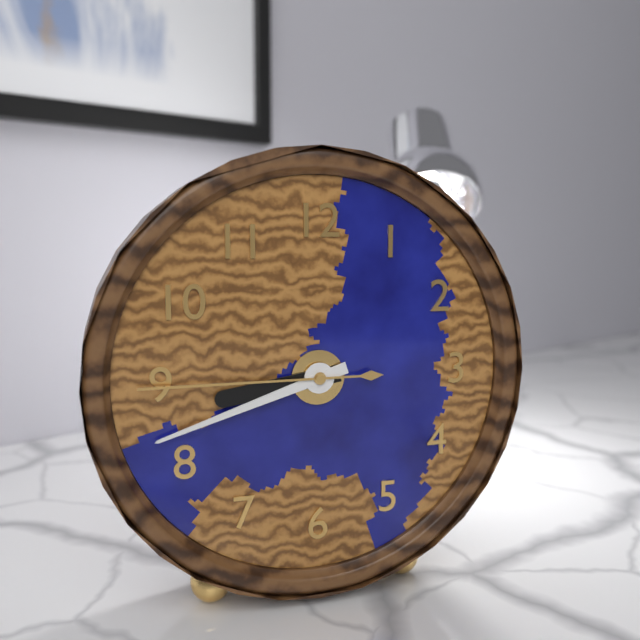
{"hour": 8, "minute": 42, "second": 45}
